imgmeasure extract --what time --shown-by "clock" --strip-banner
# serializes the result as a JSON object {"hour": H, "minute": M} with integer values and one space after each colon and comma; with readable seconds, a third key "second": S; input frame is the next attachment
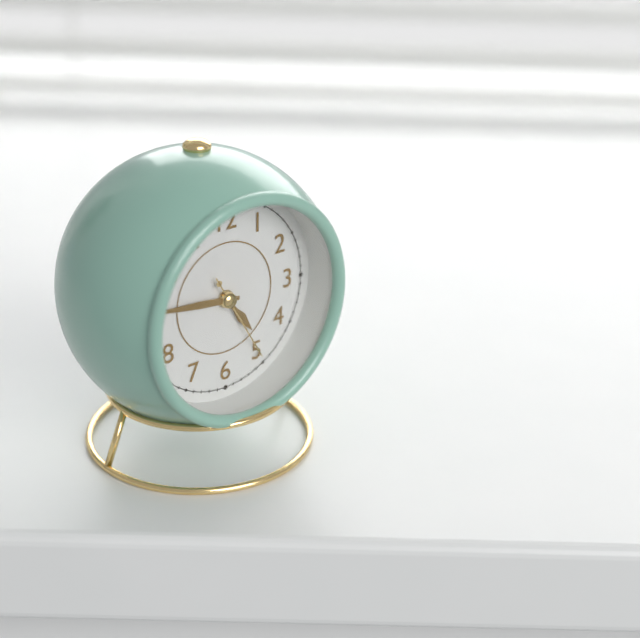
{"hour": 4, "minute": 46, "second": 25}
